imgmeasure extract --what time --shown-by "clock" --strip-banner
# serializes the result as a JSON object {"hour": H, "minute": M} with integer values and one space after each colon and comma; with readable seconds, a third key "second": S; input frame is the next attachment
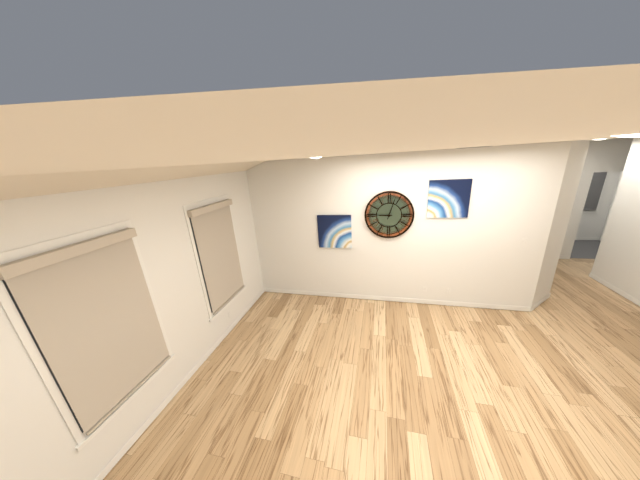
{"hour": 9, "minute": 3}
